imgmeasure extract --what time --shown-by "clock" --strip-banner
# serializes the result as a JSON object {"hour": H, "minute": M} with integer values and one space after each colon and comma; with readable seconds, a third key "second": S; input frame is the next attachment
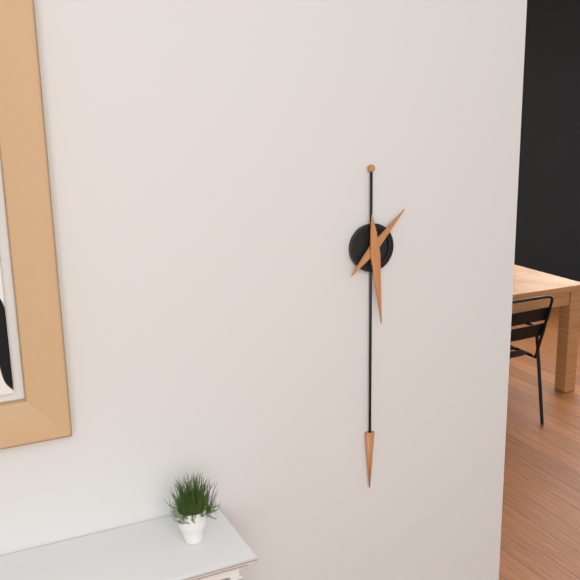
{"hour": 1, "minute": 29}
